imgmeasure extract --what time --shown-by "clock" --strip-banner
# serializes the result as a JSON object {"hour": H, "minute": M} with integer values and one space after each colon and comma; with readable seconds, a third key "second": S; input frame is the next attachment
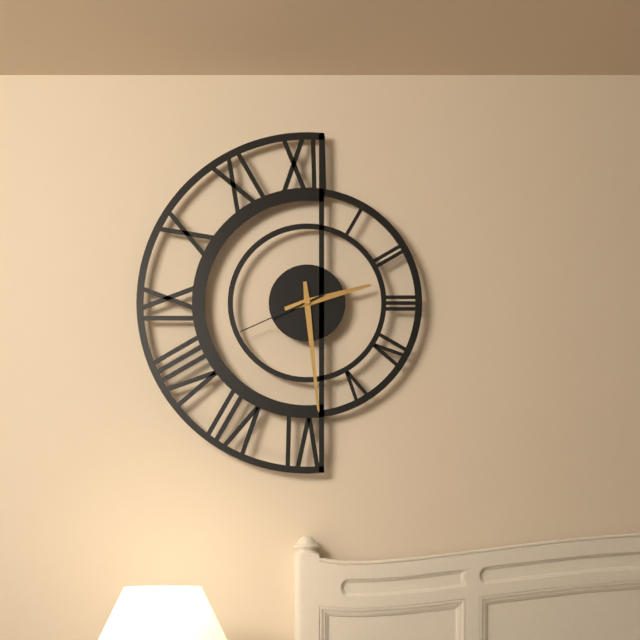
{"hour": 2, "minute": 29, "second": 41}
